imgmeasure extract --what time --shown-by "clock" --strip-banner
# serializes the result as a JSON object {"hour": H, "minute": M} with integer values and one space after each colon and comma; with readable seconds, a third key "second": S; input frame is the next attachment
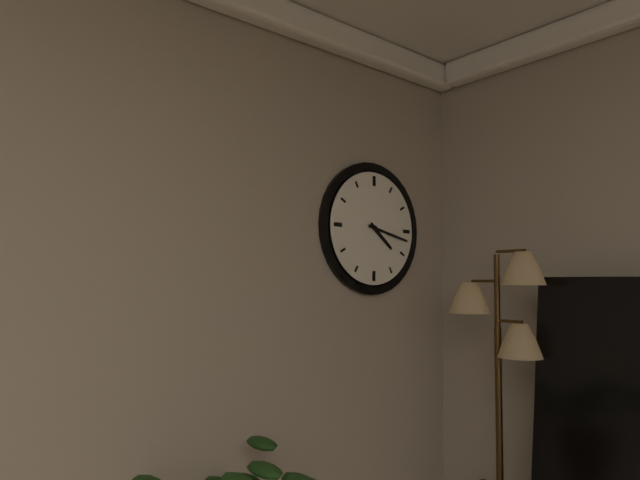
{"hour": 4, "minute": 17}
